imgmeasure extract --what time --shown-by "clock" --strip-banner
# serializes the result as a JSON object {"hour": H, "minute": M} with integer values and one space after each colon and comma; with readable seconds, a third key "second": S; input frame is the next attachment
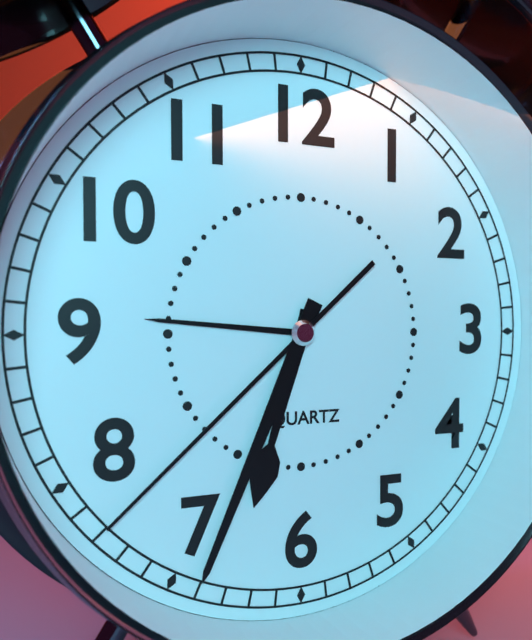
{"hour": 6, "minute": 34, "second": 38}
